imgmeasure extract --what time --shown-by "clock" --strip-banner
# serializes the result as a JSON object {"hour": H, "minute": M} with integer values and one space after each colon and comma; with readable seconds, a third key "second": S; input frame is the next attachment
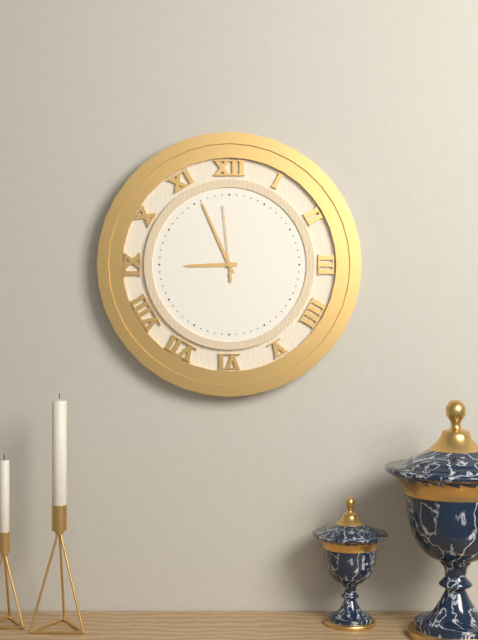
{"hour": 8, "minute": 56, "second": 59}
